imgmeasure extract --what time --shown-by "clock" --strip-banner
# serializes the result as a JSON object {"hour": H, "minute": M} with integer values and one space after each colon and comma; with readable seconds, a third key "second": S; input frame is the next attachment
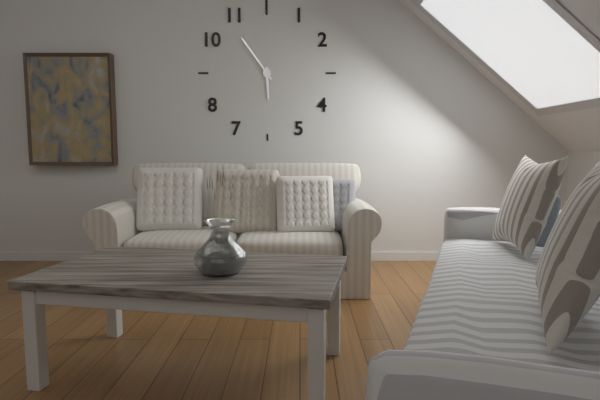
{"hour": 5, "minute": 54}
